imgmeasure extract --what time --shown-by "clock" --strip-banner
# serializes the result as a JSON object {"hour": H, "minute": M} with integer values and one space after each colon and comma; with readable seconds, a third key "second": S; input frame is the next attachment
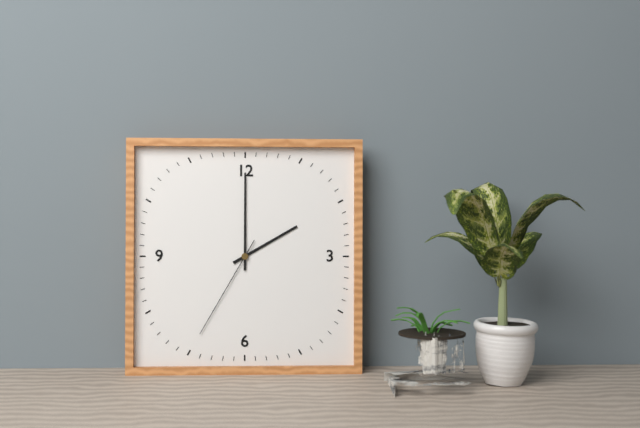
{"hour": 2, "minute": 0, "second": 35}
